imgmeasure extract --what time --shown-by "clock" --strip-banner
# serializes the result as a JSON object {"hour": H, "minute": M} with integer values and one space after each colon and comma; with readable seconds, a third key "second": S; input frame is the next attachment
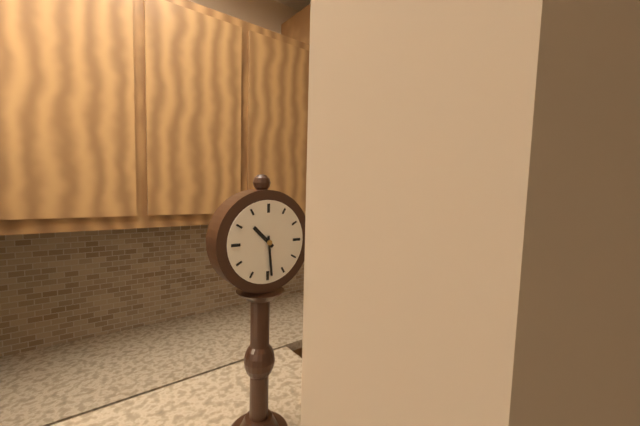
{"hour": 10, "minute": 29}
